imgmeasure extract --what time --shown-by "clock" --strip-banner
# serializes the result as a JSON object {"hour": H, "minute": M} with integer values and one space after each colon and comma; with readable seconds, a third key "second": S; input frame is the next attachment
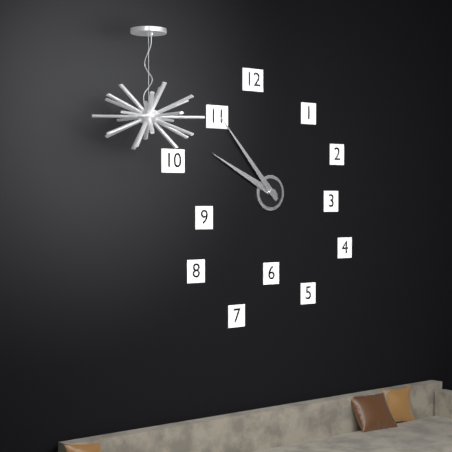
{"hour": 9, "minute": 53}
